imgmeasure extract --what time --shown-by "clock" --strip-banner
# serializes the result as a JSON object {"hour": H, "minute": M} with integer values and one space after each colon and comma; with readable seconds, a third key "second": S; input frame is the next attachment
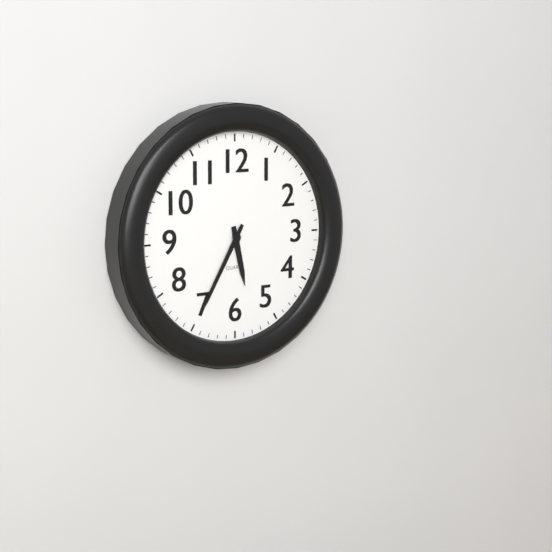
{"hour": 5, "minute": 35}
